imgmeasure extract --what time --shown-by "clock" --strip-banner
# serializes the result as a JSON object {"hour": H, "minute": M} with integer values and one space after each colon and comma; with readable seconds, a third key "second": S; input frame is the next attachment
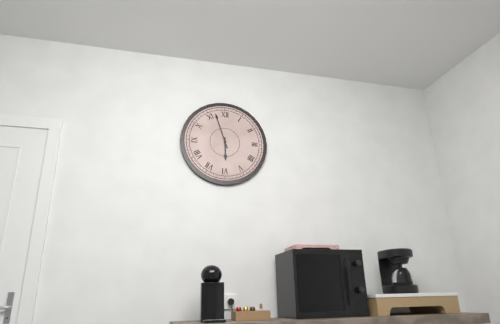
{"hour": 5, "minute": 57}
